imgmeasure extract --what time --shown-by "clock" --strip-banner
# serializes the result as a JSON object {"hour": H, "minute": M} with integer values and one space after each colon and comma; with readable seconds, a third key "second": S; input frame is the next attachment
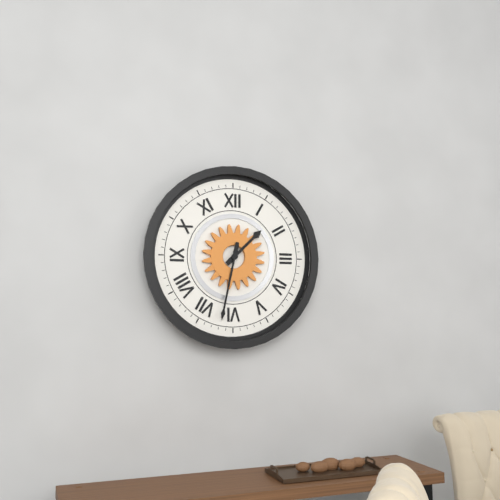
{"hour": 1, "minute": 32}
